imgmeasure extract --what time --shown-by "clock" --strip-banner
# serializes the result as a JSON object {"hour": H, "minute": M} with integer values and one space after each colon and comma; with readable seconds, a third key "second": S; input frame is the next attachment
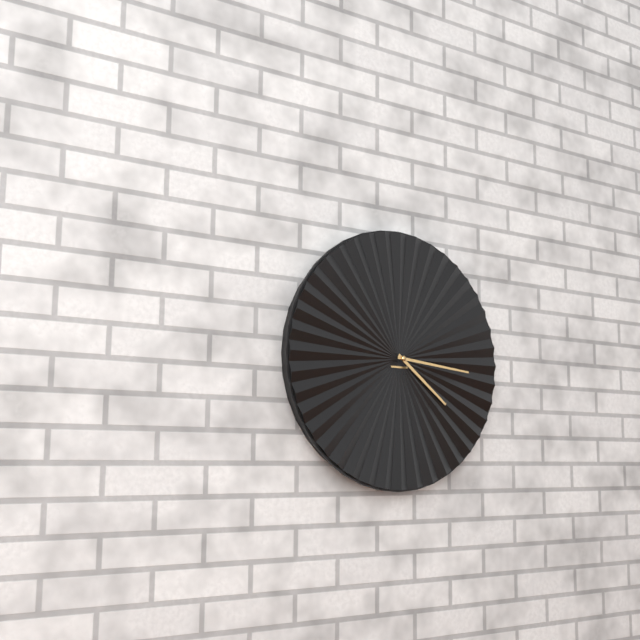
{"hour": 4, "minute": 16}
